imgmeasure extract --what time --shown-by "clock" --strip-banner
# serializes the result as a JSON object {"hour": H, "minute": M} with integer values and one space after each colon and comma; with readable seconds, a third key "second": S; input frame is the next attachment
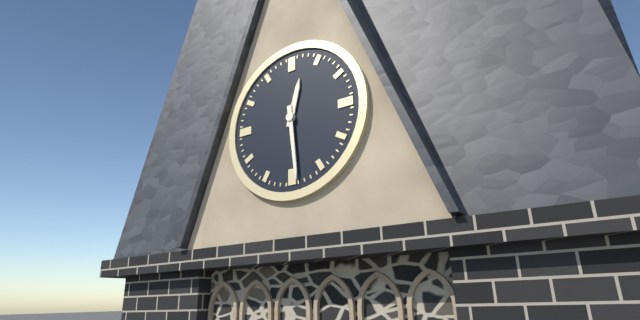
{"hour": 12, "minute": 29}
